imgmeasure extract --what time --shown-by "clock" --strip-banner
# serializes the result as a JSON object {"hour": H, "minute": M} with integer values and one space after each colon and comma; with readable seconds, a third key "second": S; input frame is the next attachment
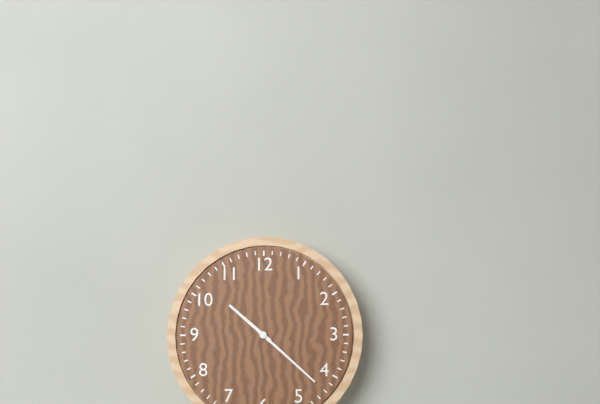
{"hour": 10, "minute": 22}
